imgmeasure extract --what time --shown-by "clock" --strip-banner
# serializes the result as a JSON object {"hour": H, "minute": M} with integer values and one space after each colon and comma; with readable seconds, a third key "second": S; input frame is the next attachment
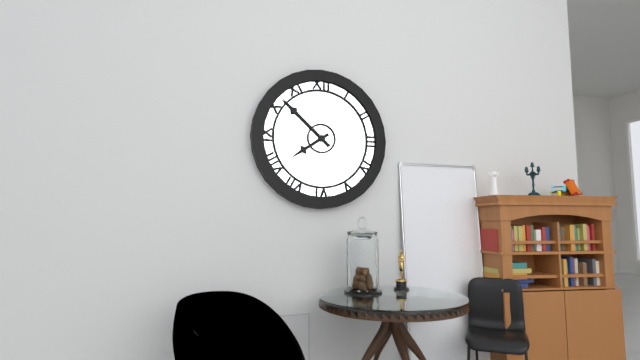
{"hour": 7, "minute": 52}
